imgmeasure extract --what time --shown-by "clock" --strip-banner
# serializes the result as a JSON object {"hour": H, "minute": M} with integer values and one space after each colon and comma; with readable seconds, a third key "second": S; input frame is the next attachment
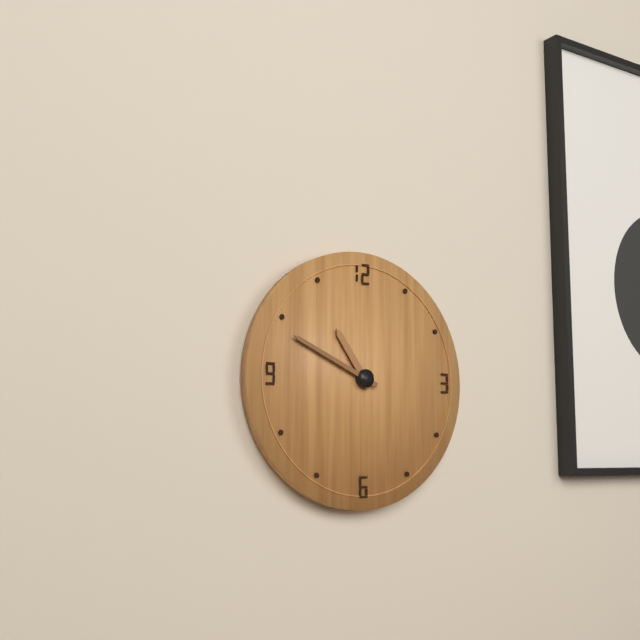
{"hour": 10, "minute": 49}
